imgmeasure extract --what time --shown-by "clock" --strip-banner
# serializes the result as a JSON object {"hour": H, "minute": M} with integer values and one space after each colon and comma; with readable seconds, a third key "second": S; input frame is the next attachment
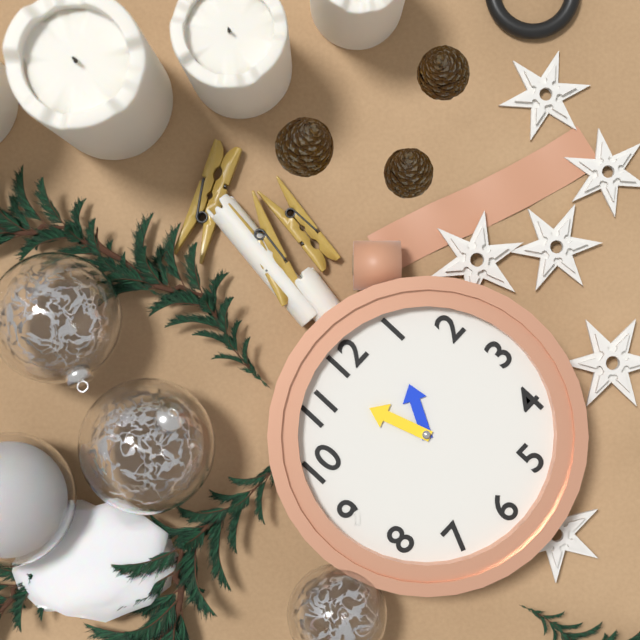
{"hour": 12, "minute": 57}
